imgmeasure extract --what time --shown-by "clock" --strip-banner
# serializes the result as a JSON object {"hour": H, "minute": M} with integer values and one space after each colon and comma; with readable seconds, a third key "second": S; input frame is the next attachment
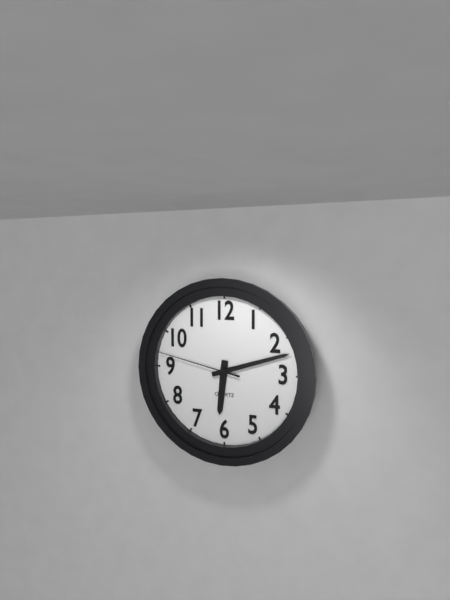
{"hour": 6, "minute": 12, "second": 47}
